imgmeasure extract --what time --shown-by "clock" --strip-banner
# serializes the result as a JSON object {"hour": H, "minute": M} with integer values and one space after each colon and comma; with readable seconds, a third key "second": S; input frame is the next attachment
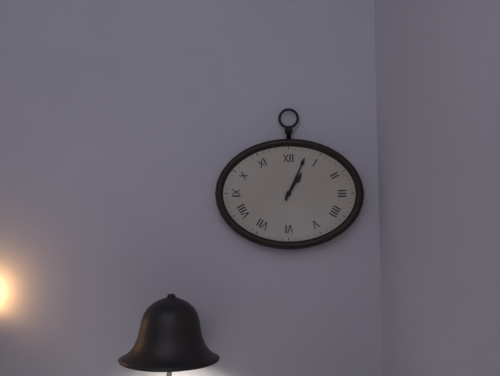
{"hour": 1, "minute": 4}
